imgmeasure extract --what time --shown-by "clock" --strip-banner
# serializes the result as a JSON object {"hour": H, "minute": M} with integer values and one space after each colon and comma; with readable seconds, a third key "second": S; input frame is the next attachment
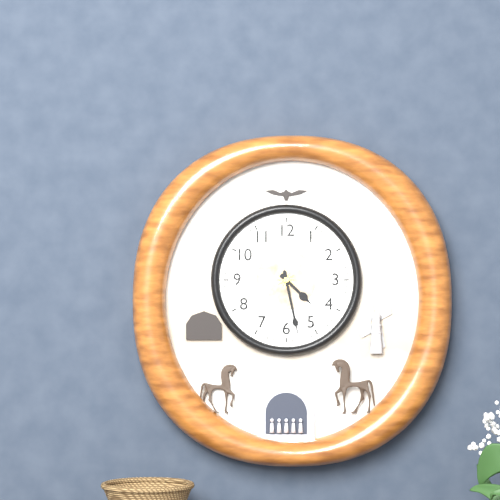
{"hour": 4, "minute": 28}
